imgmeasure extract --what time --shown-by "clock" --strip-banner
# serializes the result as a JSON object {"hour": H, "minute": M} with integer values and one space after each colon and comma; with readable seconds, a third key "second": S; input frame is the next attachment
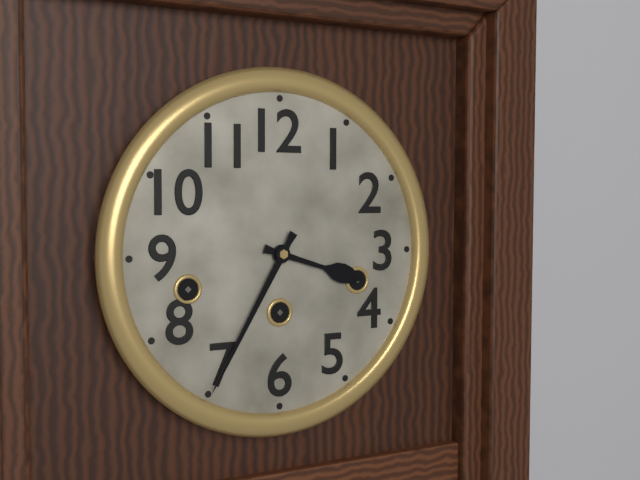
{"hour": 3, "minute": 35}
